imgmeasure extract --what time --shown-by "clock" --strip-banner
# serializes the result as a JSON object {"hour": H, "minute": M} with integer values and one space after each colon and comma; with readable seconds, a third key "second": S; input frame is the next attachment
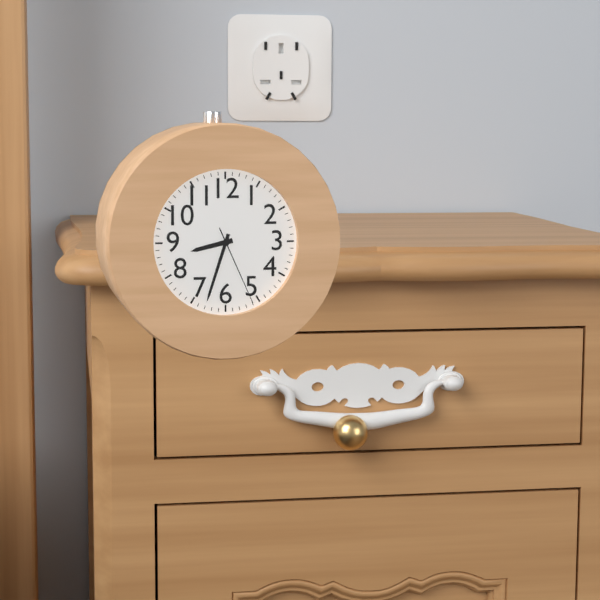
{"hour": 8, "minute": 33, "second": 26}
